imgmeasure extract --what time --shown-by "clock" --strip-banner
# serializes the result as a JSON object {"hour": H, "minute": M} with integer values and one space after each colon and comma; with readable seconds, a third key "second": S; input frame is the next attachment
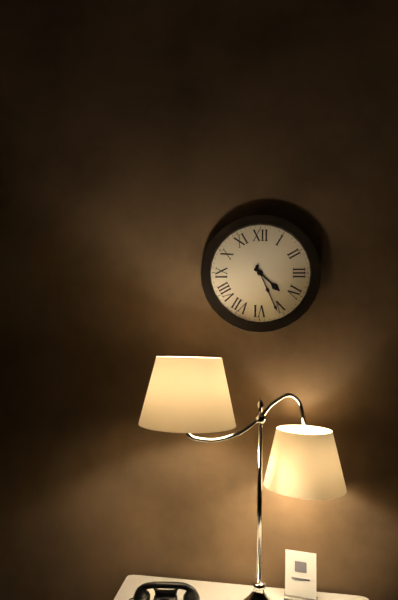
{"hour": 4, "minute": 26}
